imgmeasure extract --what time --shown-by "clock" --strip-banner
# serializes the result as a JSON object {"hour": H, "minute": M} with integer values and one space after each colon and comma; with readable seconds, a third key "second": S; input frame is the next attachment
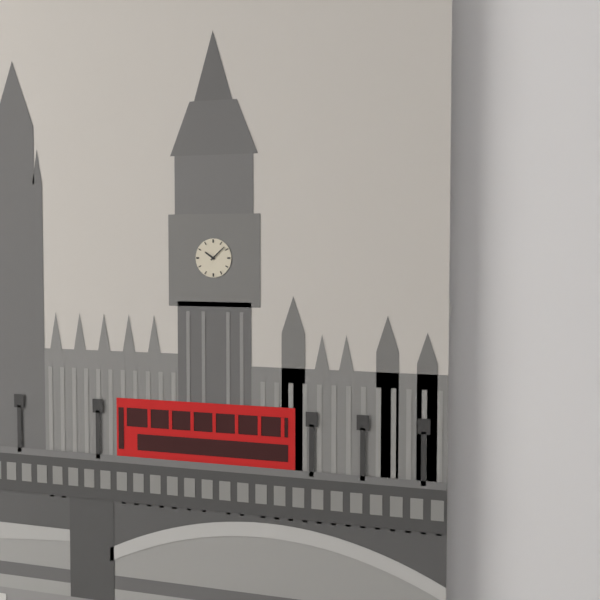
{"hour": 10, "minute": 8}
